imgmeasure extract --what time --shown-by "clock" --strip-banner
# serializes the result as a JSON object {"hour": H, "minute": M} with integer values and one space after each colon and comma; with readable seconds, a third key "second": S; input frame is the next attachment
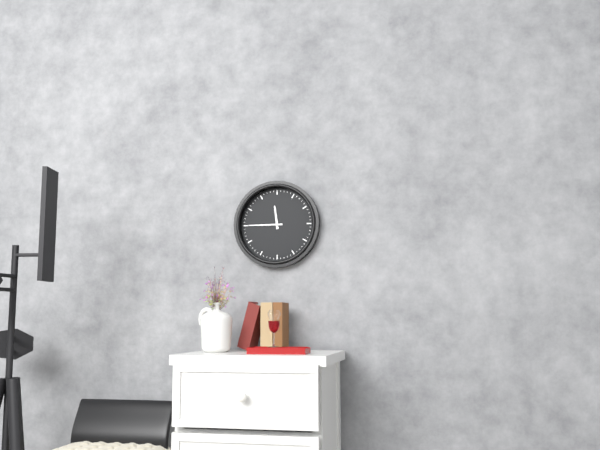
{"hour": 11, "minute": 45}
